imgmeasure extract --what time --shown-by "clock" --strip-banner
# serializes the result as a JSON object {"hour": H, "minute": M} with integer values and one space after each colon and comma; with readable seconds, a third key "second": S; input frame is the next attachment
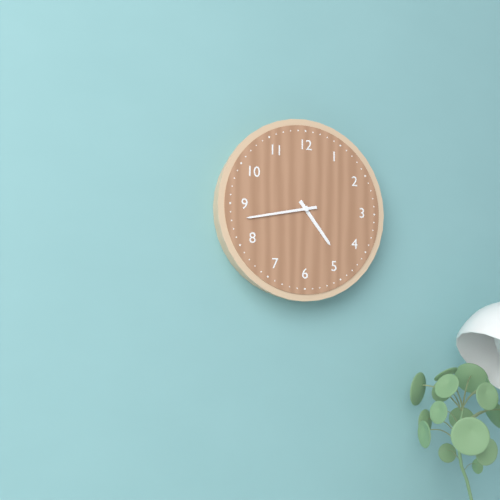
{"hour": 4, "minute": 43}
